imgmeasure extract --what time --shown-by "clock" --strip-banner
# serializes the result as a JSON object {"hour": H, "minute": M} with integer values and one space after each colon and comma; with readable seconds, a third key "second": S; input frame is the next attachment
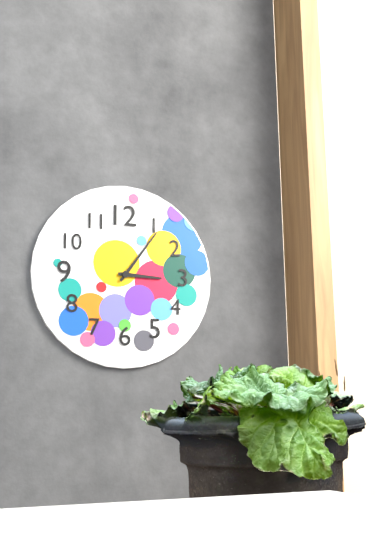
{"hour": 3, "minute": 6}
